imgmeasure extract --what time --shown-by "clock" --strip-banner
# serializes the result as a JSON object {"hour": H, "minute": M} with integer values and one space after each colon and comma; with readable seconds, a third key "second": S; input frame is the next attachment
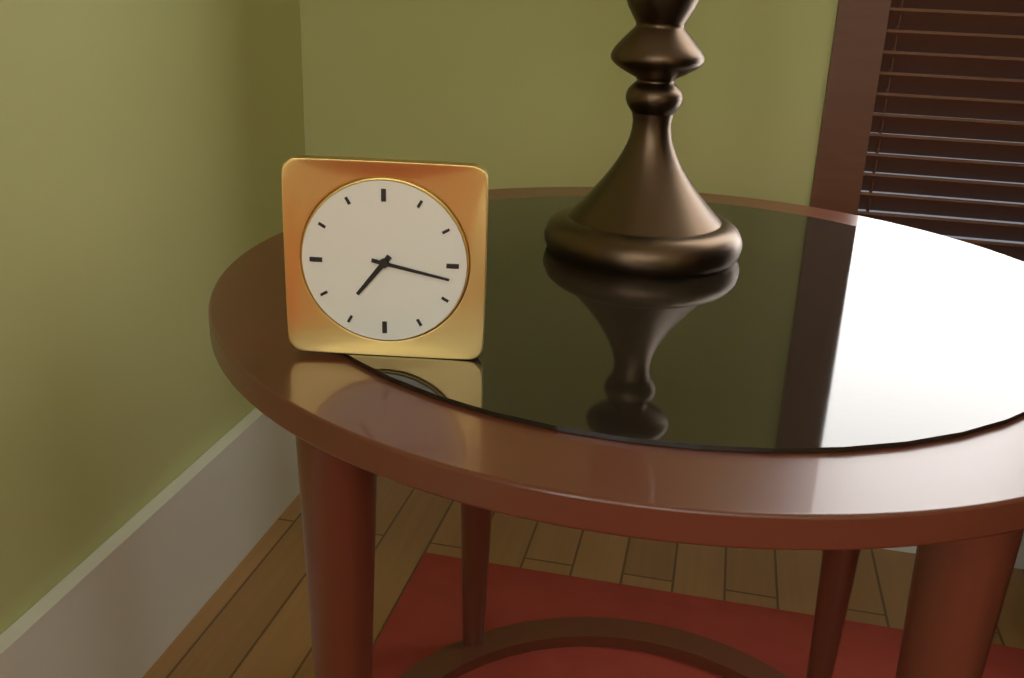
{"hour": 7, "minute": 17}
